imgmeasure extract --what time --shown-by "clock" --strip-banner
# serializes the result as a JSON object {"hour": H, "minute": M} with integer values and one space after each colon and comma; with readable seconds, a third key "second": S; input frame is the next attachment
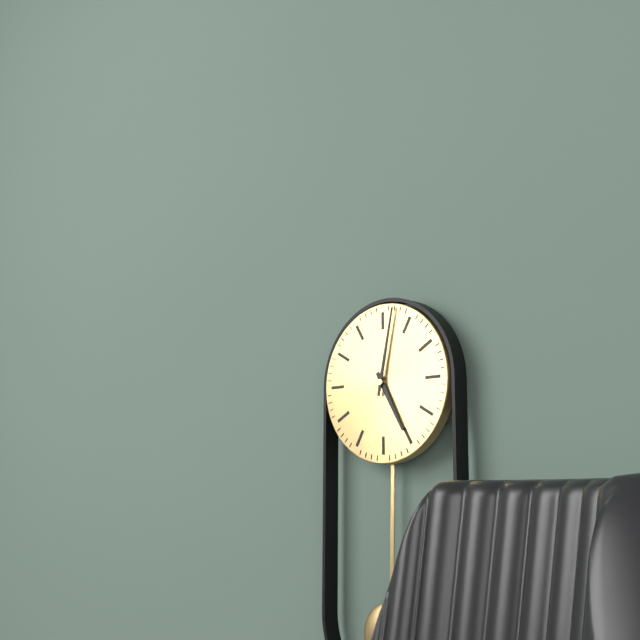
{"hour": 5, "minute": 2}
